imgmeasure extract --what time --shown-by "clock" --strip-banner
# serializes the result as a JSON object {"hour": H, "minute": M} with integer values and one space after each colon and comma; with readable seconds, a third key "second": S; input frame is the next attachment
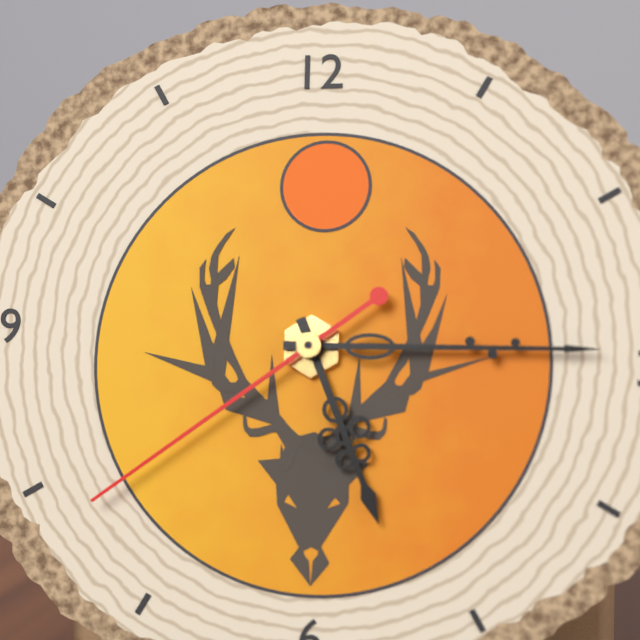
{"hour": 5, "minute": 15, "second": 39}
